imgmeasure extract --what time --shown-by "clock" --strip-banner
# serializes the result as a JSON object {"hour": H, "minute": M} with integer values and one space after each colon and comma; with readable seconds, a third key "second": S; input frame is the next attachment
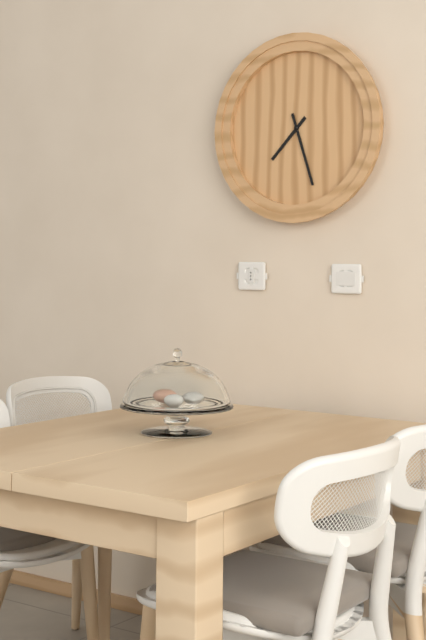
{"hour": 7, "minute": 27}
